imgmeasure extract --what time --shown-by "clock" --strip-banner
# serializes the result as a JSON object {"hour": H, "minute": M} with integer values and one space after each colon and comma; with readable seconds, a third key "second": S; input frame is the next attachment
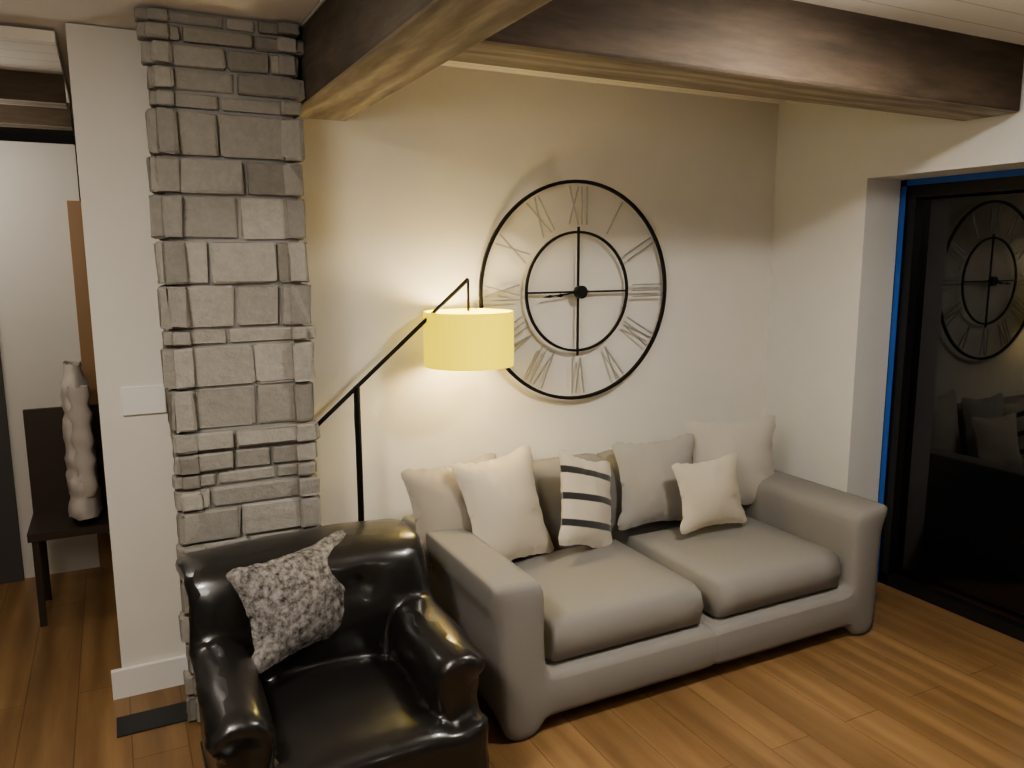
{"hour": 8, "minute": 44}
